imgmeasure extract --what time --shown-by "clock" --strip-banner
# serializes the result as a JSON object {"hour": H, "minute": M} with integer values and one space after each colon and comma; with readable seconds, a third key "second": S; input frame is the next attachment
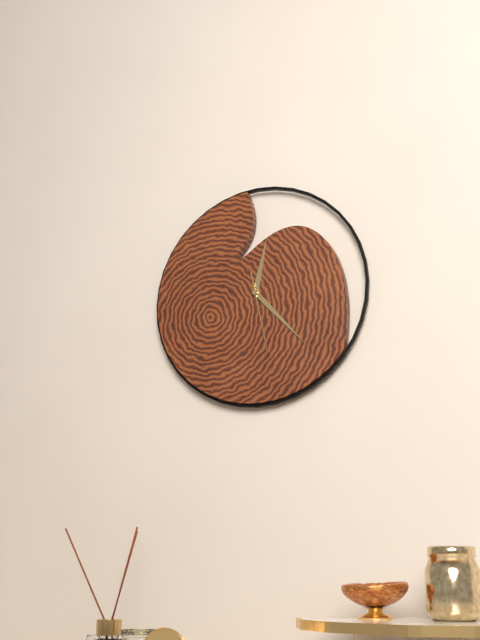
{"hour": 12, "minute": 23, "second": 28}
